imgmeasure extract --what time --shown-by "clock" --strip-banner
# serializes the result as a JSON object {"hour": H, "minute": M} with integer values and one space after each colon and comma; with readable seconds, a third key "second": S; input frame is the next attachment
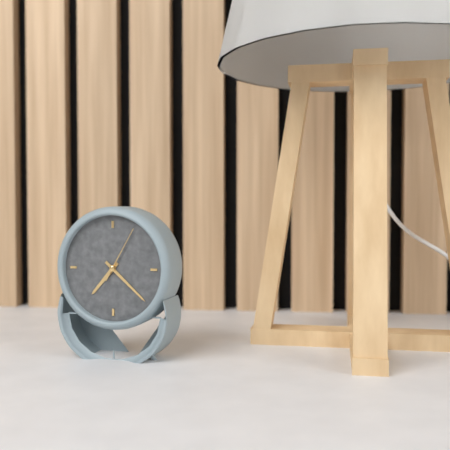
{"hour": 7, "minute": 22, "second": 5}
